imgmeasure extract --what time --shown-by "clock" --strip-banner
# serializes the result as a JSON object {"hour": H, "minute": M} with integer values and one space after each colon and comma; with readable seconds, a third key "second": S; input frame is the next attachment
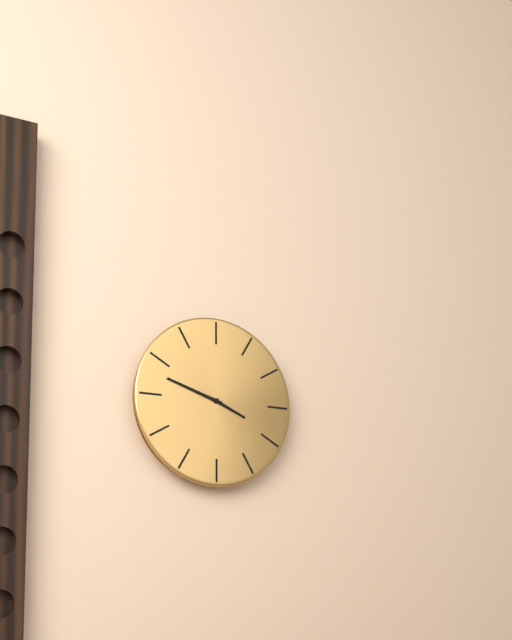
{"hour": 3, "minute": 48}
